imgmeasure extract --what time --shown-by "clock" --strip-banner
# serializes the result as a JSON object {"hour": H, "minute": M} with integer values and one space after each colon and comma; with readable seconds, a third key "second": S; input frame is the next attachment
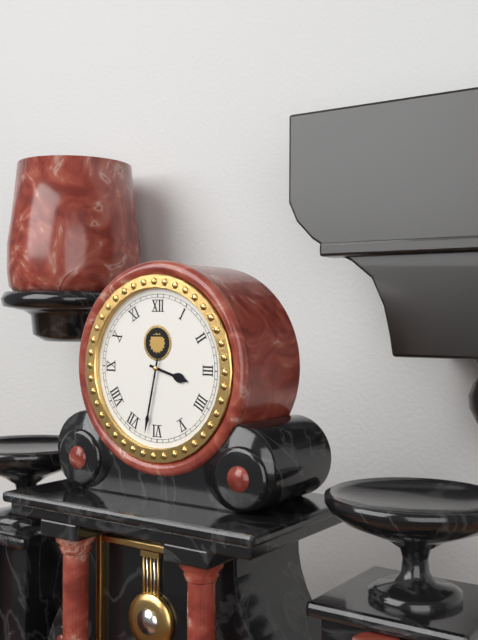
{"hour": 3, "minute": 32}
